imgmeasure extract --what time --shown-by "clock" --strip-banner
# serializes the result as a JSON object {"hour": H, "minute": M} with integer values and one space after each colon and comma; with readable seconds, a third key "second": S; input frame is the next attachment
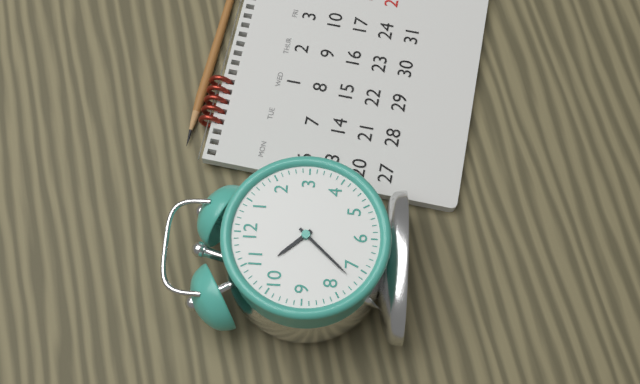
{"hour": 10, "minute": 37}
